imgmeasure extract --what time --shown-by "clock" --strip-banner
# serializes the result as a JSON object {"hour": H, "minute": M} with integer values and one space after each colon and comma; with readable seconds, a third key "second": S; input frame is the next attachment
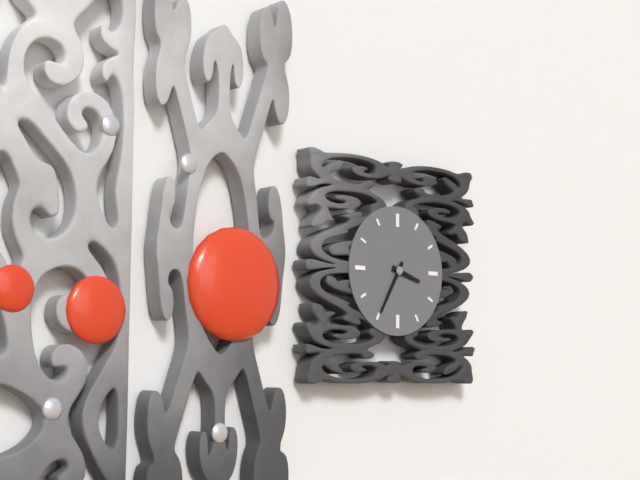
{"hour": 3, "minute": 35}
